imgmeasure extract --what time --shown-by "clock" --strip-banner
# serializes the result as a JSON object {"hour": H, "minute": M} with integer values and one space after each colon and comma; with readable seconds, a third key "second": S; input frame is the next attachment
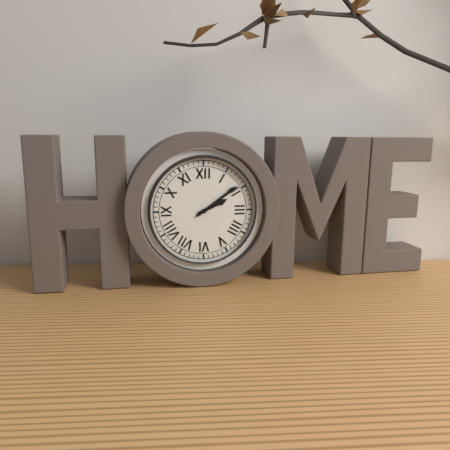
{"hour": 2, "minute": 9}
